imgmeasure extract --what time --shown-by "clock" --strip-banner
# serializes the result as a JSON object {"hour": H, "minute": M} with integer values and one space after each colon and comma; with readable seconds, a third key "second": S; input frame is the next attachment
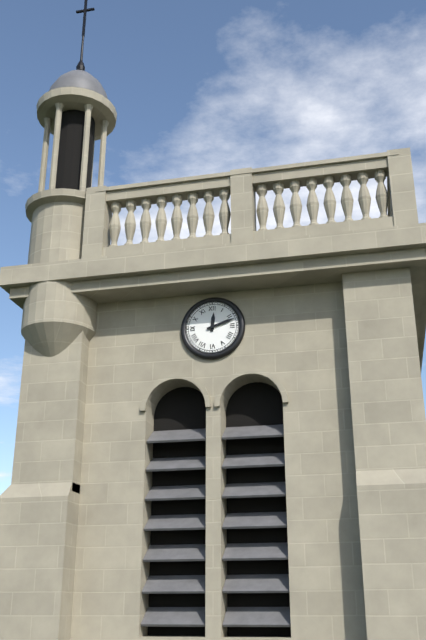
{"hour": 12, "minute": 12}
